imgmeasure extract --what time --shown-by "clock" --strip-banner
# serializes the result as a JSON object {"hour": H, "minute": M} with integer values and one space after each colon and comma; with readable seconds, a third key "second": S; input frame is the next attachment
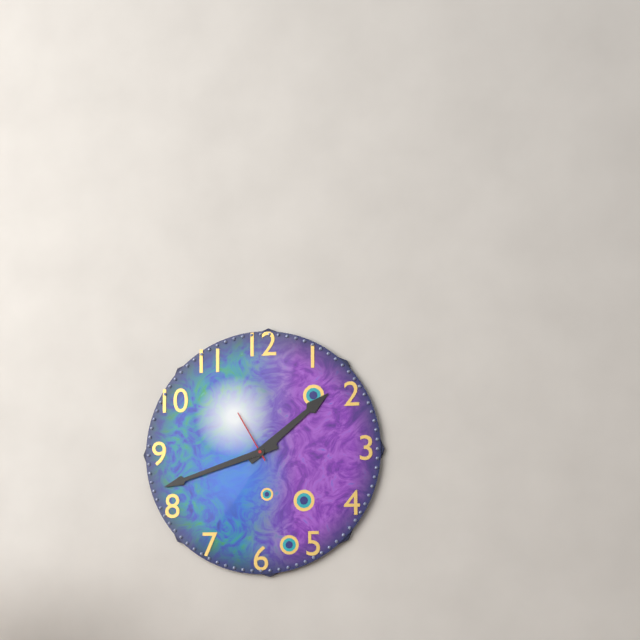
{"hour": 1, "minute": 42, "second": 55}
